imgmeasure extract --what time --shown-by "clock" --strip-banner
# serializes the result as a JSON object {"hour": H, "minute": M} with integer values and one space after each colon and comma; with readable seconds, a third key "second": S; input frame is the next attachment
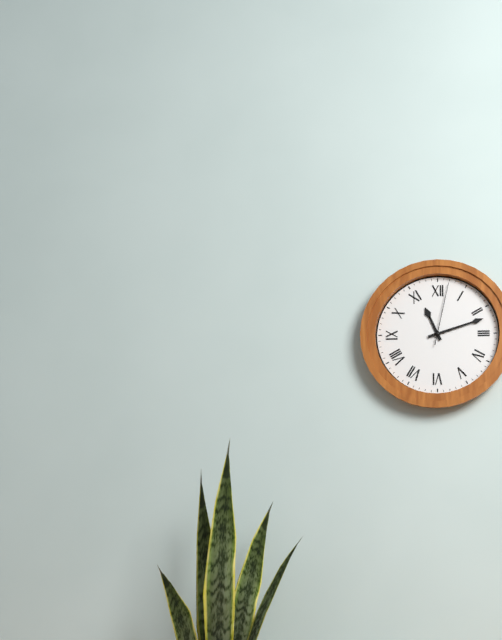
{"hour": 11, "minute": 12, "second": 2}
